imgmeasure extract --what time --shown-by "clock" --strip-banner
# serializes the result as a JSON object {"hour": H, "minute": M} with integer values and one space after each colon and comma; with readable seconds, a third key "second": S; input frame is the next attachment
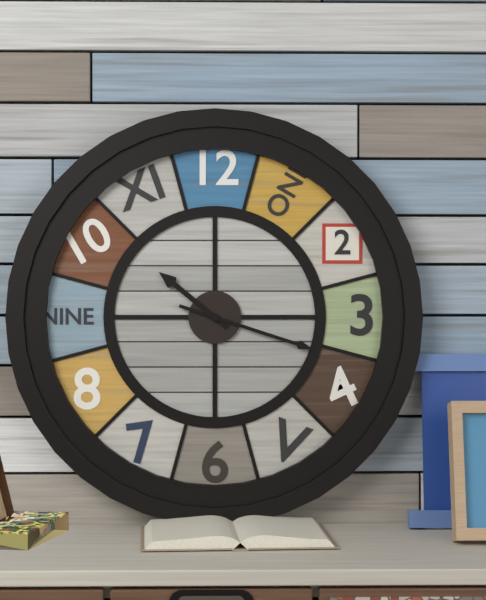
{"hour": 10, "minute": 18}
